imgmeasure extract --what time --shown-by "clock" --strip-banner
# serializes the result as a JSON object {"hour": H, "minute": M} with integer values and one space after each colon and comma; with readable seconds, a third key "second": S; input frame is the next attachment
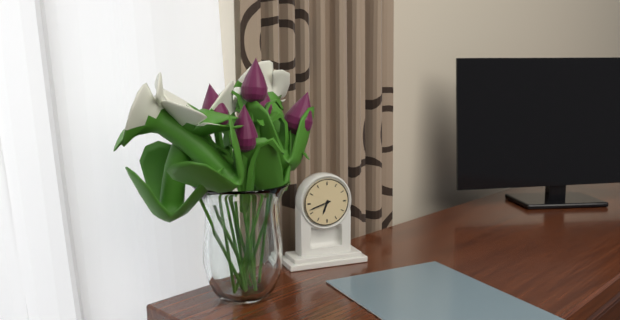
{"hour": 6, "minute": 42}
